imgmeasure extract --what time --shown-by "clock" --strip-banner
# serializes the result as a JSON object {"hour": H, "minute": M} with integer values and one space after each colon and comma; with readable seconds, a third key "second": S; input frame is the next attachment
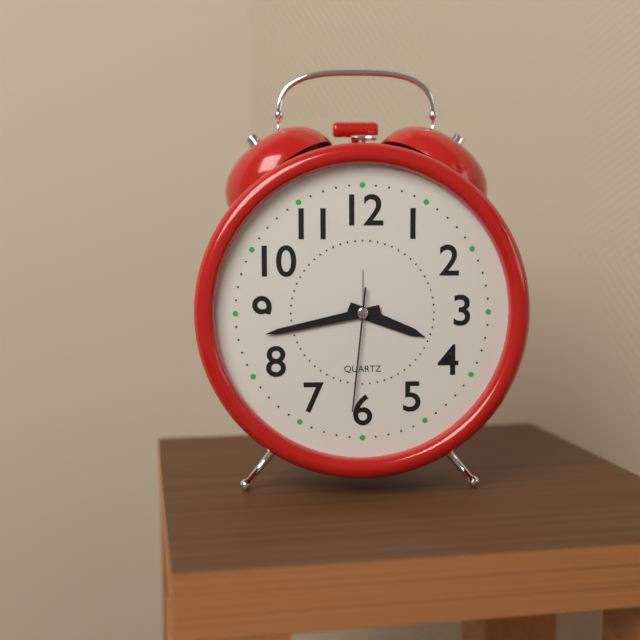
{"hour": 3, "minute": 43, "second": 31}
